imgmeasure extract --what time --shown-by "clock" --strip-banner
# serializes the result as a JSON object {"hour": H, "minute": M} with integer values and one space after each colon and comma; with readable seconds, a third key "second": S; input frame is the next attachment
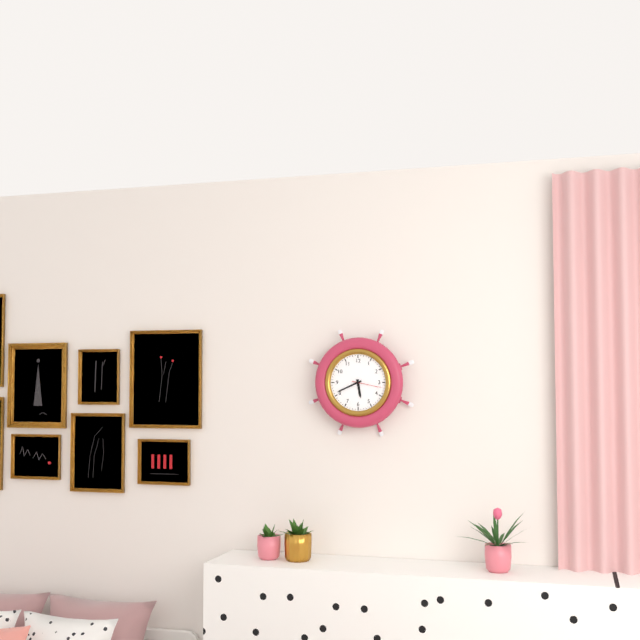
{"hour": 5, "minute": 41}
